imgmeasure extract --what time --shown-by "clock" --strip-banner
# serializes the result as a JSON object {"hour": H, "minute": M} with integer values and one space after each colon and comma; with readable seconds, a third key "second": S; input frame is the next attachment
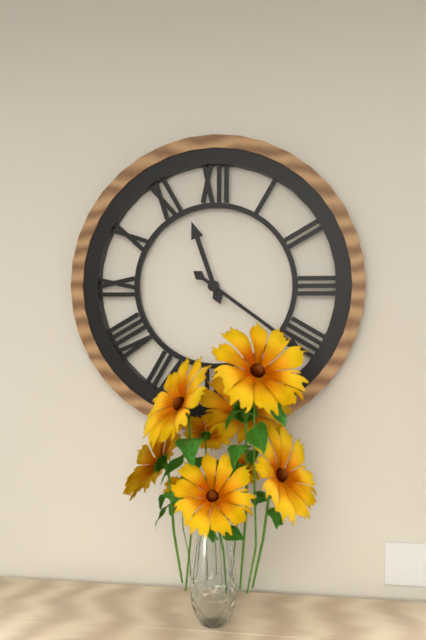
{"hour": 11, "minute": 21}
